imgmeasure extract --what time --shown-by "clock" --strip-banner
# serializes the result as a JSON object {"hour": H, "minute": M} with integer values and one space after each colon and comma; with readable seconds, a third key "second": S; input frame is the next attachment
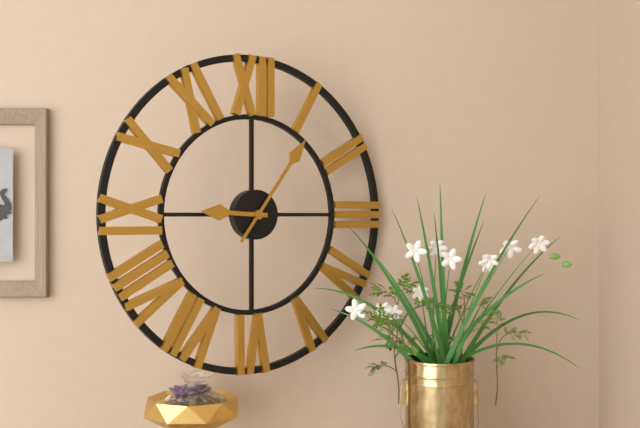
{"hour": 9, "minute": 6}
